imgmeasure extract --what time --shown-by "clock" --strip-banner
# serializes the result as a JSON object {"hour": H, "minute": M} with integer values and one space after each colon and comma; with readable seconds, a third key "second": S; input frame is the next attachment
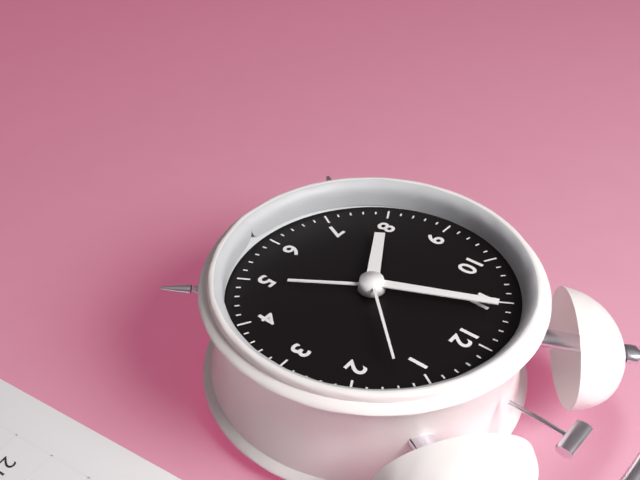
{"hour": 7, "minute": 56, "second": 7}
